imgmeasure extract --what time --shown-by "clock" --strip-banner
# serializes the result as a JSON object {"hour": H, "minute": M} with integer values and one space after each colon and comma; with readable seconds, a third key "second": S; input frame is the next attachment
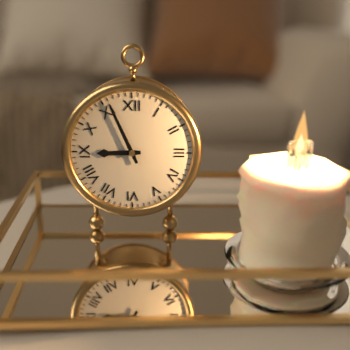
{"hour": 8, "minute": 56}
